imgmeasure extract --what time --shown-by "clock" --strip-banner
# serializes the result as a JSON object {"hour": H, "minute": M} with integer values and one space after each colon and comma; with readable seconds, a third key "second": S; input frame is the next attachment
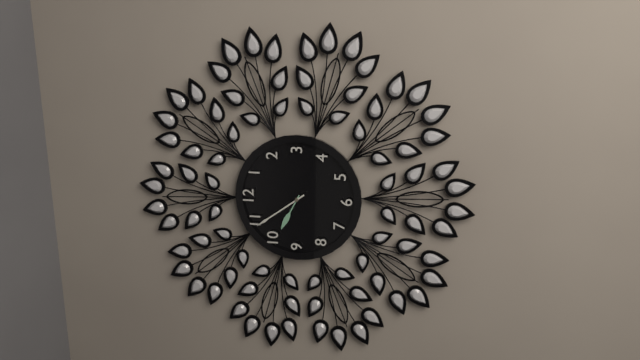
{"hour": 9, "minute": 54}
